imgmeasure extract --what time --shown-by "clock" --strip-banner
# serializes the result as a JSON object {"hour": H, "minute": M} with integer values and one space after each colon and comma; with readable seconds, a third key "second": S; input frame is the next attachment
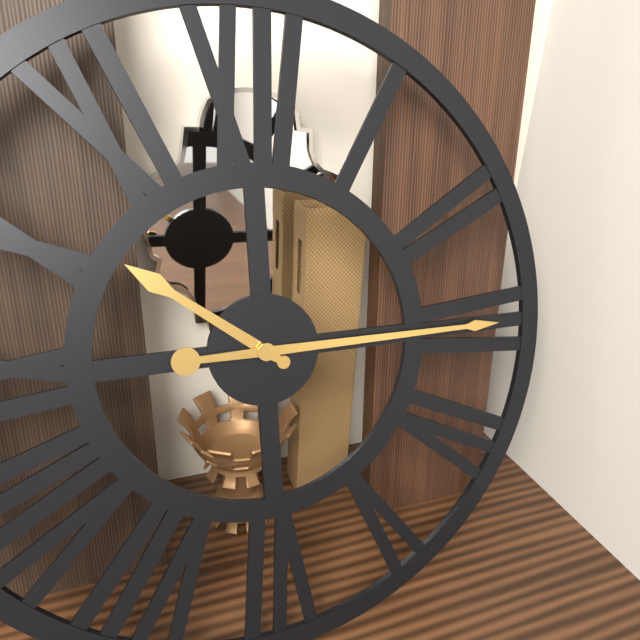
{"hour": 10, "minute": 15}
